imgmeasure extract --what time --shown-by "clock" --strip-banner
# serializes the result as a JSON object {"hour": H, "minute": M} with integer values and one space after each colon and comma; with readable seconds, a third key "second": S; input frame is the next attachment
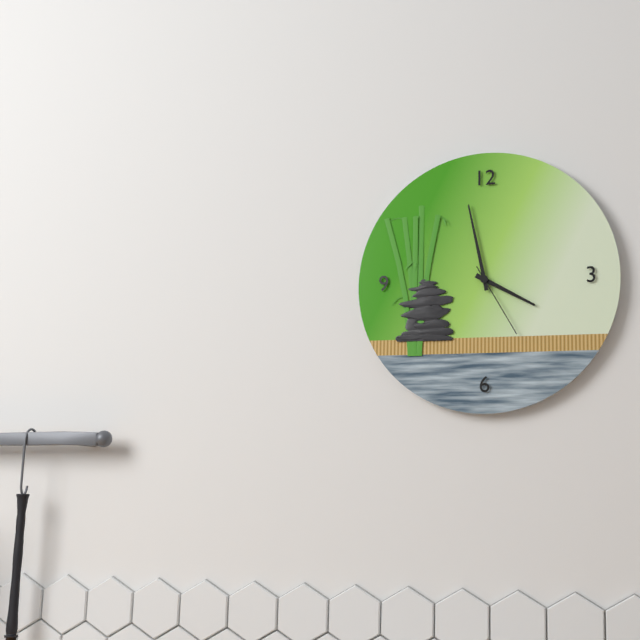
{"hour": 3, "minute": 58, "second": 25}
